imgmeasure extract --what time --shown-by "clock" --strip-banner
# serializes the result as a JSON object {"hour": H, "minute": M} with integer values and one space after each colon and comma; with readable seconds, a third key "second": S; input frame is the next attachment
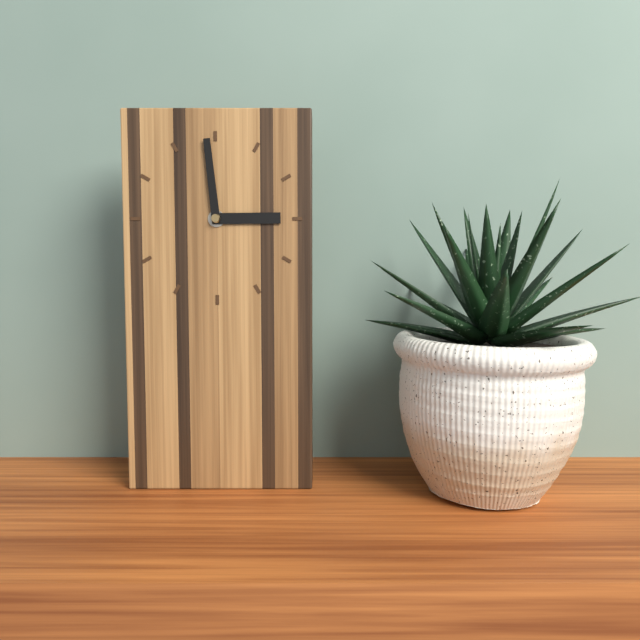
{"hour": 2, "minute": 59}
